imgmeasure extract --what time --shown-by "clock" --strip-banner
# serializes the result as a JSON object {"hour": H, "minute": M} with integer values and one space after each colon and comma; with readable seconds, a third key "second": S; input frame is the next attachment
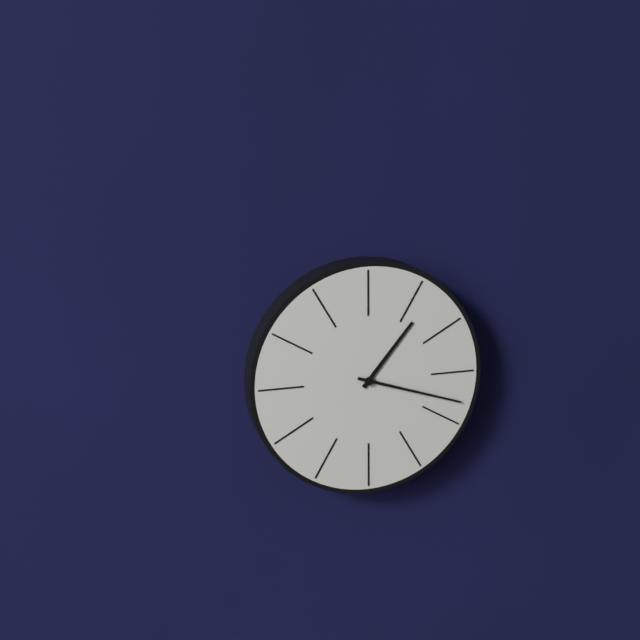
{"hour": 1, "minute": 18}
